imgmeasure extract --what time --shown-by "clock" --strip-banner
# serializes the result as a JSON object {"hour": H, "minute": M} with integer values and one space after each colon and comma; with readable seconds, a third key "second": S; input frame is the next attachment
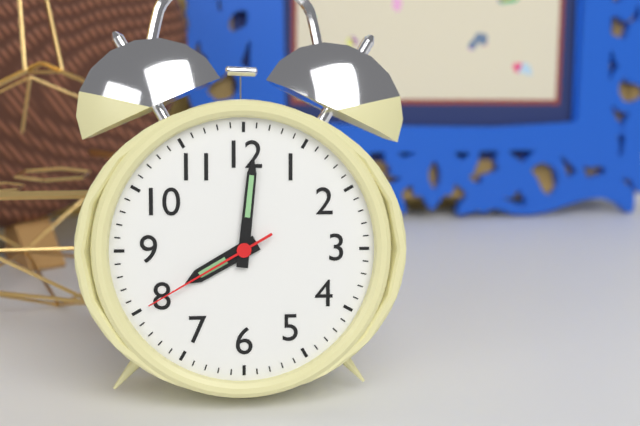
{"hour": 8, "minute": 1, "second": 40}
